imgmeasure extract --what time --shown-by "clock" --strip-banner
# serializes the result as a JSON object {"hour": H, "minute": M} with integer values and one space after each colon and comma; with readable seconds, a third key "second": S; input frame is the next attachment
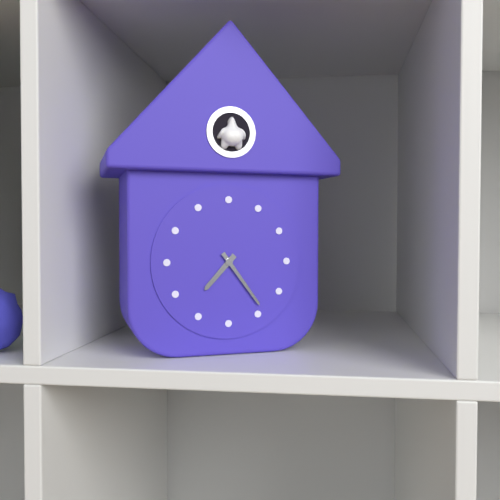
{"hour": 7, "minute": 24}
